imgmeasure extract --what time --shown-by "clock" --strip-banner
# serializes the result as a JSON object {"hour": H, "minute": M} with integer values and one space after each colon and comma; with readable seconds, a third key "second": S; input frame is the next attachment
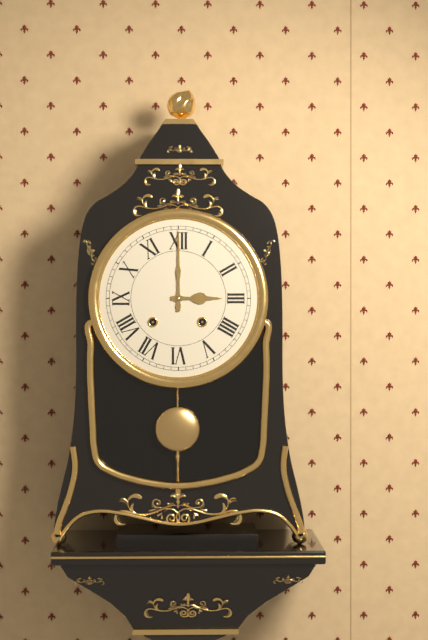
{"hour": 3, "minute": 0}
